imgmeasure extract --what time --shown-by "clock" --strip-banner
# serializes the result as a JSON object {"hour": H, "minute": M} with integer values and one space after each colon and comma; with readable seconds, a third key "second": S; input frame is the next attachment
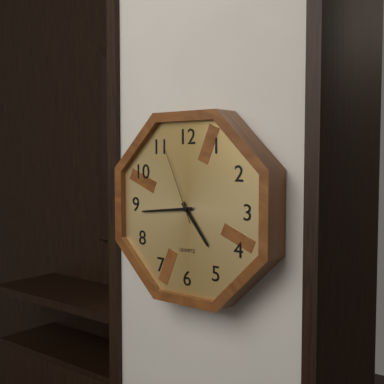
{"hour": 4, "minute": 44, "second": 56}
